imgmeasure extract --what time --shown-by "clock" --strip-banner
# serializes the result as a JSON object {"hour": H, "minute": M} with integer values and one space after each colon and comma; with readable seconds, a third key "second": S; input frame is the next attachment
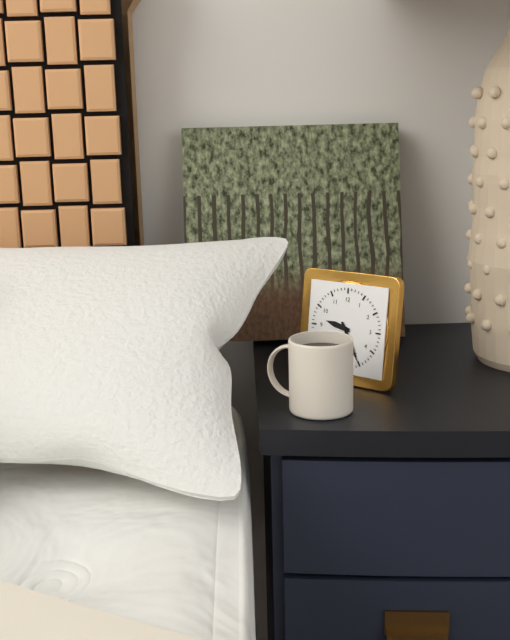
{"hour": 9, "minute": 25}
